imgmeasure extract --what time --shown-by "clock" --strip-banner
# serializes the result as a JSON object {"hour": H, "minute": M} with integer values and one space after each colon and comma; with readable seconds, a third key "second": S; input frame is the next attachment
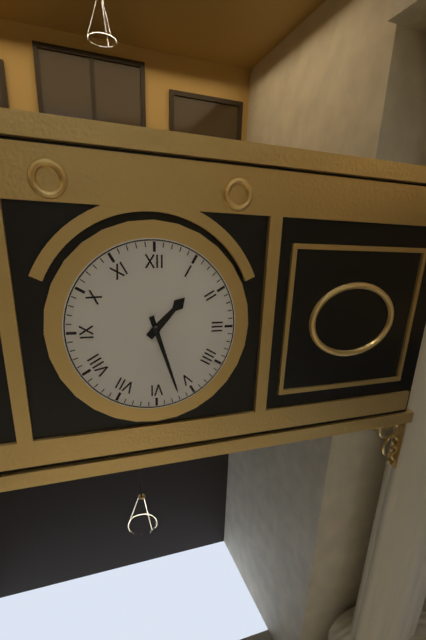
{"hour": 1, "minute": 27}
